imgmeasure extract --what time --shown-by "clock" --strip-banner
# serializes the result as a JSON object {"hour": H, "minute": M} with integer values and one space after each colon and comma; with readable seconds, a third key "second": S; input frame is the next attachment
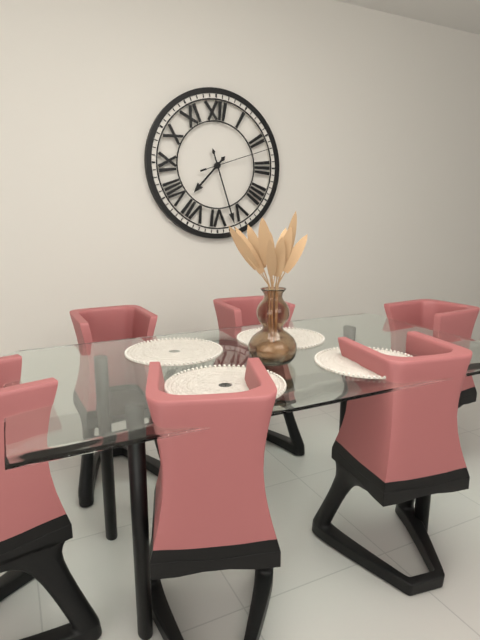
{"hour": 7, "minute": 27, "second": 12}
